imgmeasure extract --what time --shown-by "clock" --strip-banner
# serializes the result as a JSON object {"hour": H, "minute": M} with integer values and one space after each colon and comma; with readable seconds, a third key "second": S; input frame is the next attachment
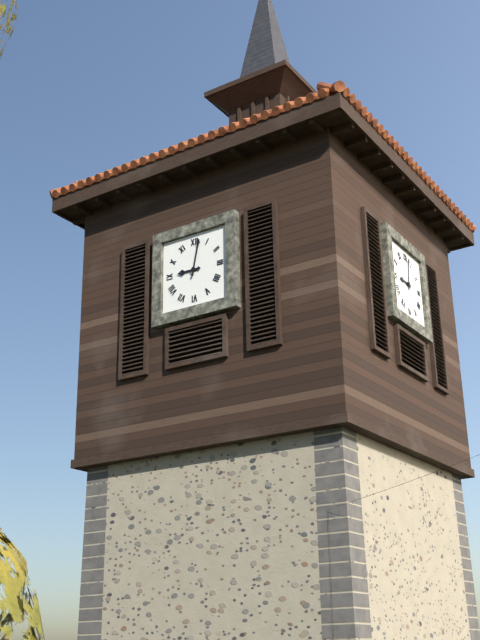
{"hour": 9, "minute": 2}
